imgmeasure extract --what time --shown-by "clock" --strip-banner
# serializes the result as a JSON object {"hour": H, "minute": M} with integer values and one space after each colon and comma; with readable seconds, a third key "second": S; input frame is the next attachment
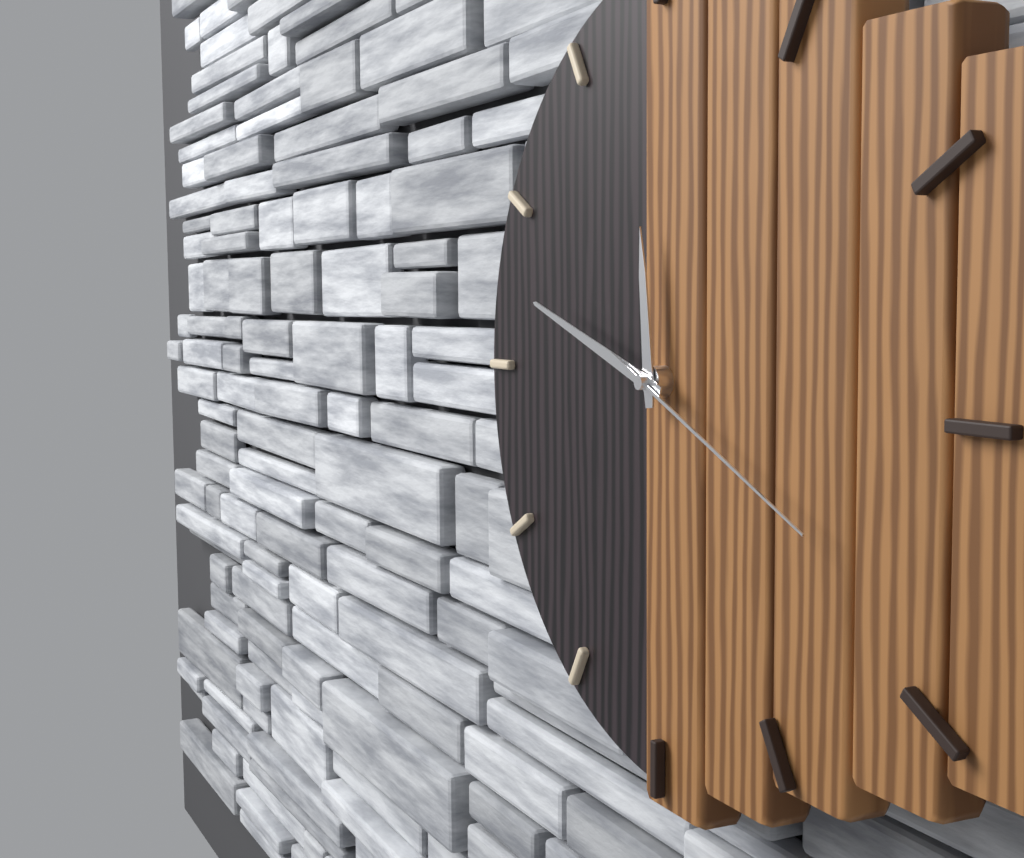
{"hour": 11, "minute": 48, "second": 19}
